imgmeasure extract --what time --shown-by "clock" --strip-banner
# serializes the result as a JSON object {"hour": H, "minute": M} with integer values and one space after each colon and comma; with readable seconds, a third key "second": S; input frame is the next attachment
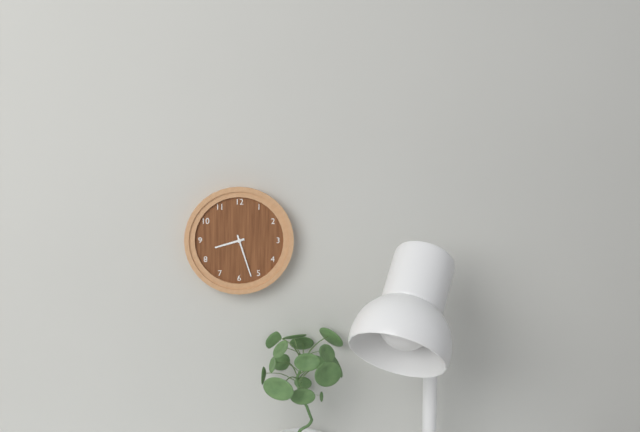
{"hour": 8, "minute": 27}
